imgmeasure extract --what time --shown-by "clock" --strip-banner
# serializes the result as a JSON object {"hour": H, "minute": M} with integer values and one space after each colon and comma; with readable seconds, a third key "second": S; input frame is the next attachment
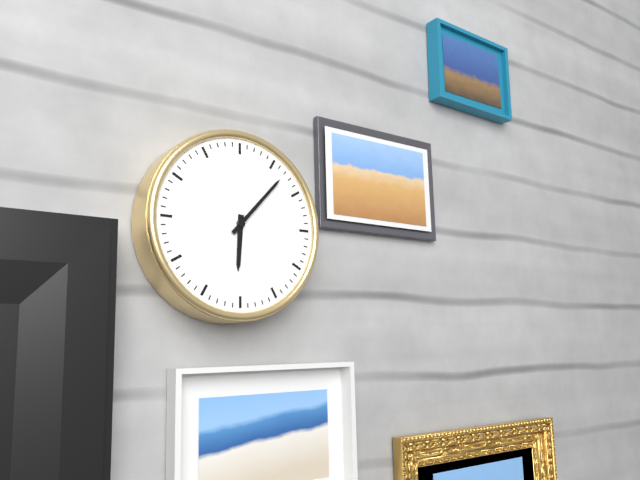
{"hour": 6, "minute": 7}
